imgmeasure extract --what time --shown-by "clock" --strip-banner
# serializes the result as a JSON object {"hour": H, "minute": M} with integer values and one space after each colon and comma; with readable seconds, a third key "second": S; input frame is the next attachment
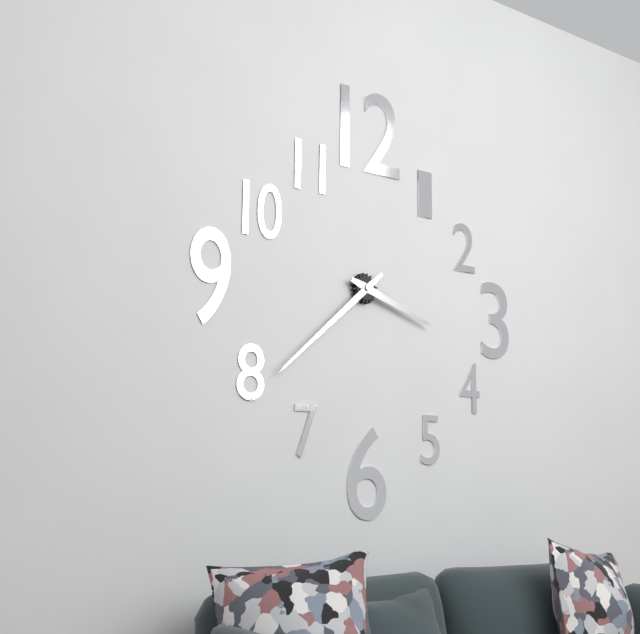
{"hour": 3, "minute": 38}
